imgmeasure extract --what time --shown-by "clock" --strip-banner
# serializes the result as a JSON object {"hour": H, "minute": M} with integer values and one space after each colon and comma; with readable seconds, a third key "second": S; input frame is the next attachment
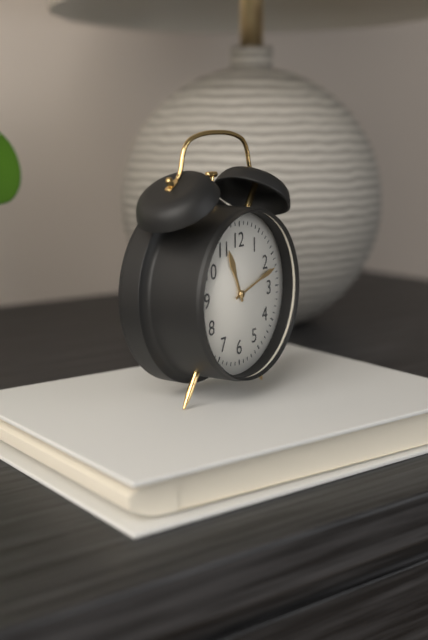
{"hour": 11, "minute": 12}
